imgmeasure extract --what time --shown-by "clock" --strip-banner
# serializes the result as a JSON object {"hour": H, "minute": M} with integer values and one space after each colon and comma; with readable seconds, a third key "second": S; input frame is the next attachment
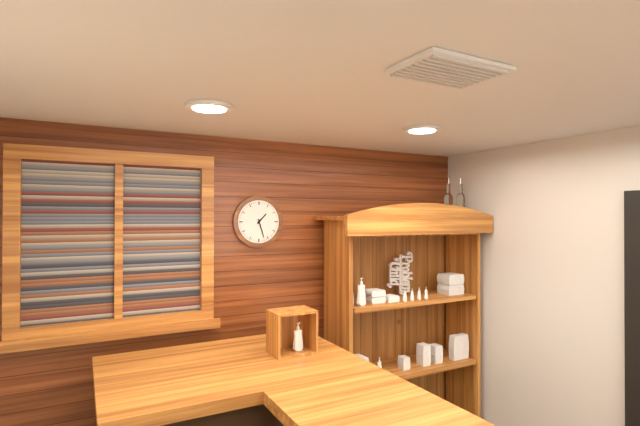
{"hour": 1, "minute": 27}
